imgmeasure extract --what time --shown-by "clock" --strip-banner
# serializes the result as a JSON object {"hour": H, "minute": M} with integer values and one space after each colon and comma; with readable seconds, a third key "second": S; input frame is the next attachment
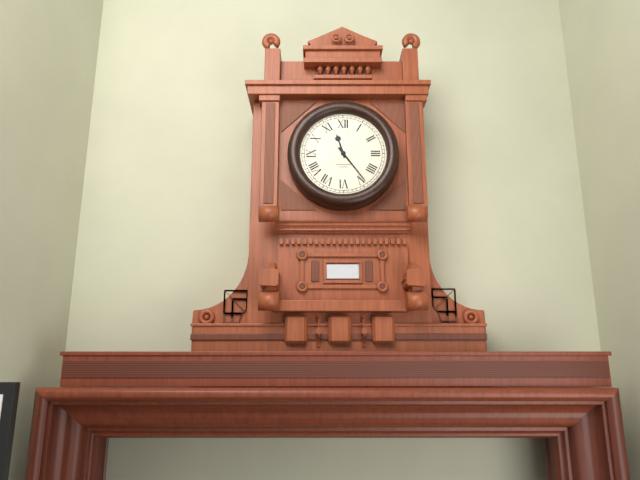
{"hour": 11, "minute": 24}
